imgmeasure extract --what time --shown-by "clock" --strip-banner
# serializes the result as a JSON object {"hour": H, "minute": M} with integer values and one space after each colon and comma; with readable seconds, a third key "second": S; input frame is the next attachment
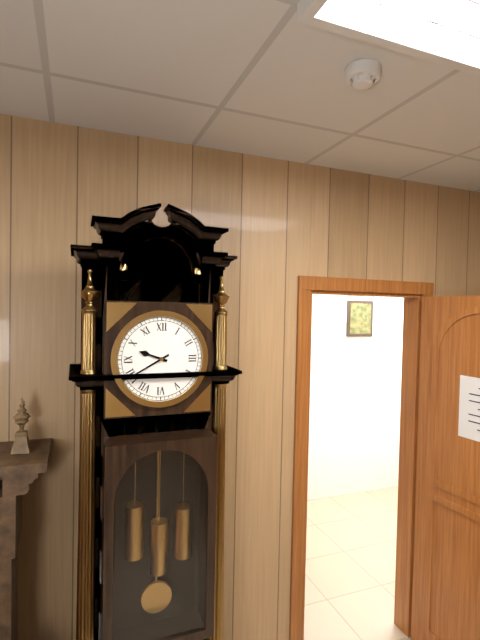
{"hour": 9, "minute": 40}
